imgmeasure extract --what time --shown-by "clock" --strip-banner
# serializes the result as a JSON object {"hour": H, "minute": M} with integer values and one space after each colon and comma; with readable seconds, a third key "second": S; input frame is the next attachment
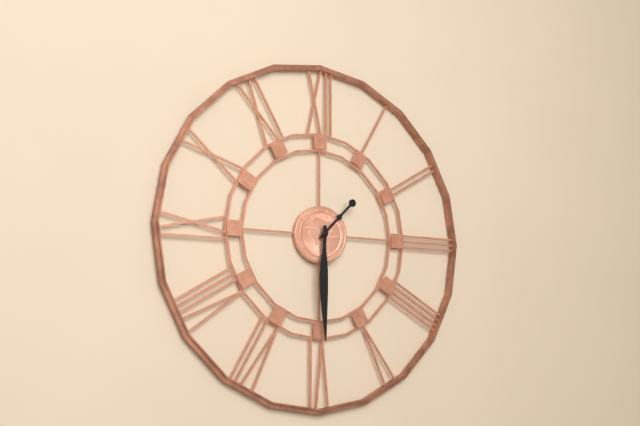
{"hour": 1, "minute": 30}
